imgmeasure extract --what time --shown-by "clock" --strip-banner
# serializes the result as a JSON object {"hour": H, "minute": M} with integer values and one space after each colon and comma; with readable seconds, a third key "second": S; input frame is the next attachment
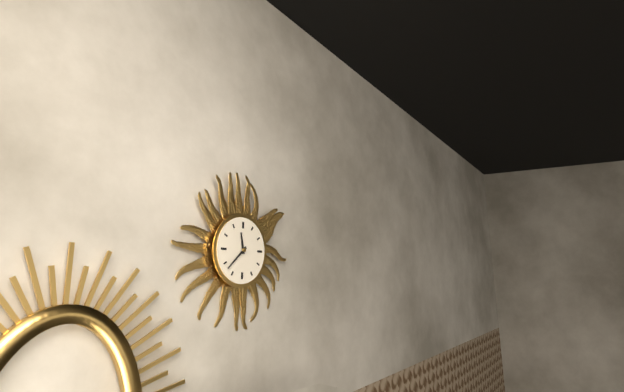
{"hour": 11, "minute": 38}
